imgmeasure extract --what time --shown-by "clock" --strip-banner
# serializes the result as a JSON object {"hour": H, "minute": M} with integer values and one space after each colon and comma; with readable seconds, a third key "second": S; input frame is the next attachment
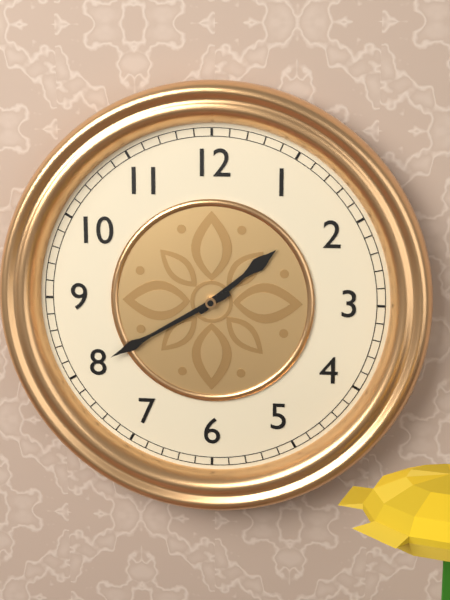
{"hour": 1, "minute": 40}
